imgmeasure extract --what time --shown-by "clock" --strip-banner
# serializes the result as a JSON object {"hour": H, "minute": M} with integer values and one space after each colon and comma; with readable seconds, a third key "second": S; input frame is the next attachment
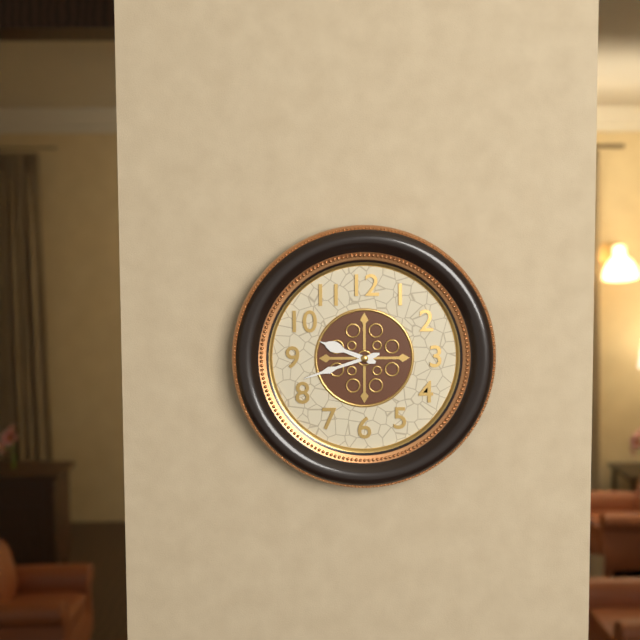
{"hour": 9, "minute": 42}
